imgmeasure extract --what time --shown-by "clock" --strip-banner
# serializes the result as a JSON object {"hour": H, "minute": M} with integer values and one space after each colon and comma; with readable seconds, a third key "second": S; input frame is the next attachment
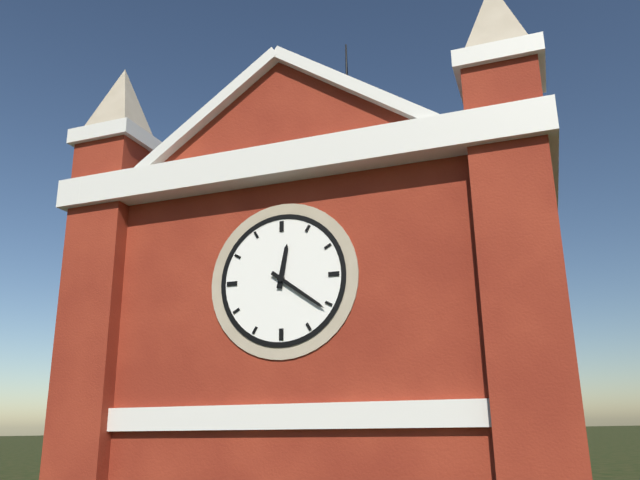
{"hour": 12, "minute": 21}
